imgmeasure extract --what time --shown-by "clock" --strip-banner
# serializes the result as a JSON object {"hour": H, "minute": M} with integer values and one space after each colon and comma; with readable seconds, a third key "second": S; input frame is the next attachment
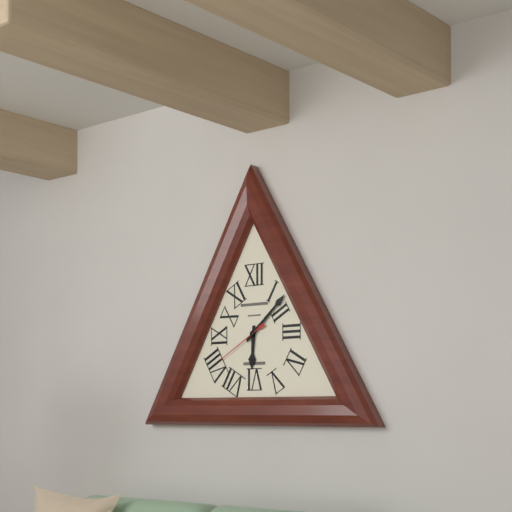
{"hour": 6, "minute": 8, "second": 40}
